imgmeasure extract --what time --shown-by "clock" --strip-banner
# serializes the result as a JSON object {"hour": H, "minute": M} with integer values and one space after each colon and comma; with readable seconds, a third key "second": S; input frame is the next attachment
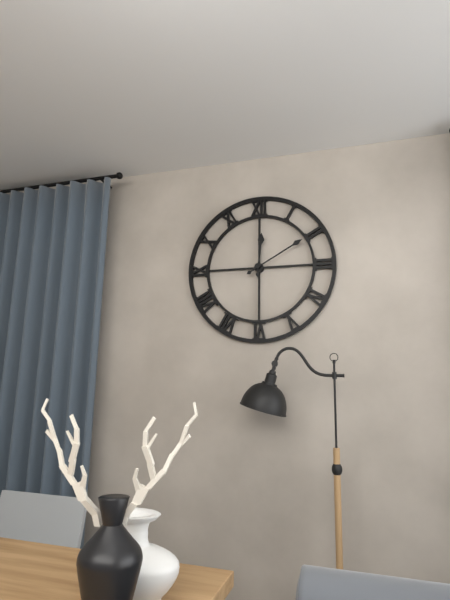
{"hour": 12, "minute": 10}
